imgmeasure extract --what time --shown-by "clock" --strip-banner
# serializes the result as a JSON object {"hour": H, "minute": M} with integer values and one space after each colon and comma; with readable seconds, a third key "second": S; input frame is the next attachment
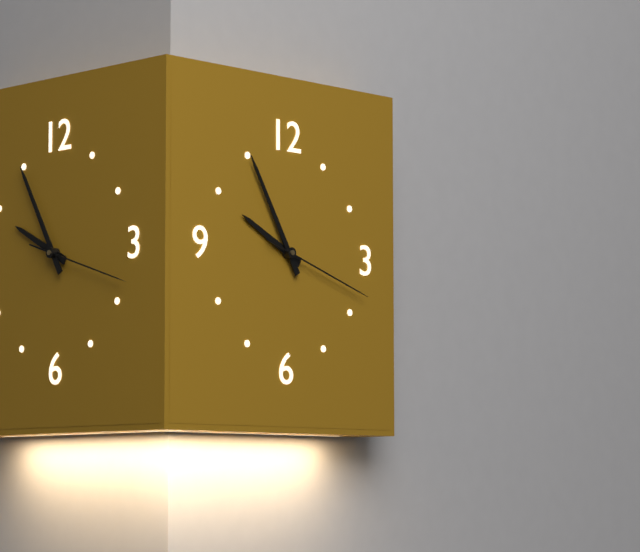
{"hour": 9, "minute": 55, "second": 18}
